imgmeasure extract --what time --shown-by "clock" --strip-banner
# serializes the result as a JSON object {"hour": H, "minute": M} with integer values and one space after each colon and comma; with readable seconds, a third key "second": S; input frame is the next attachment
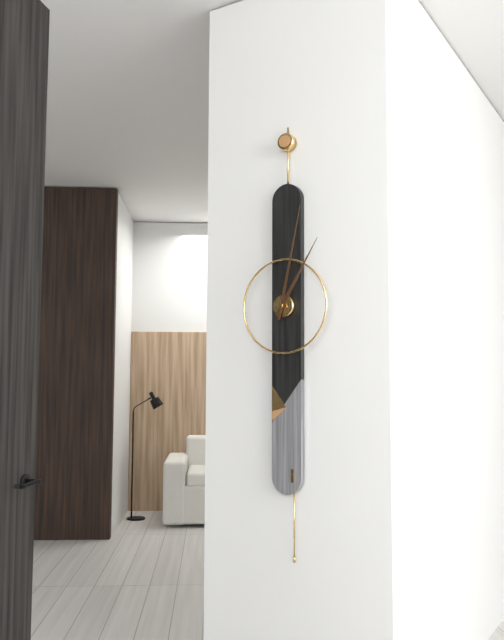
{"hour": 1, "minute": 2}
